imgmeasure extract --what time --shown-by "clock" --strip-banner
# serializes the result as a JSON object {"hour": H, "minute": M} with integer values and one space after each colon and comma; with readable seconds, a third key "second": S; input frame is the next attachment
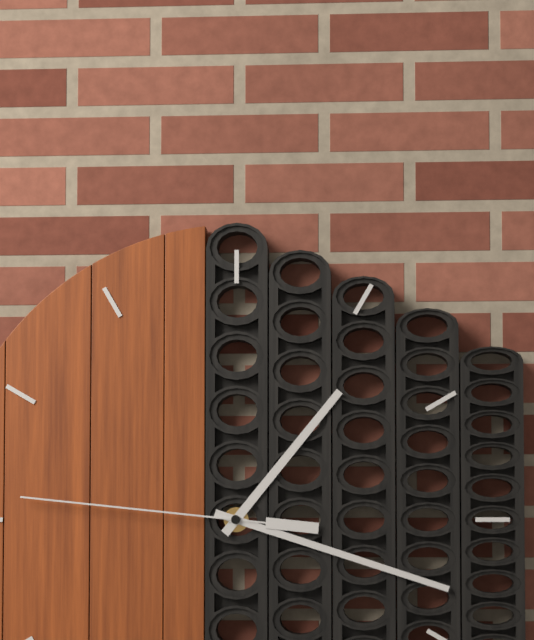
{"hour": 1, "minute": 18, "second": 46}
